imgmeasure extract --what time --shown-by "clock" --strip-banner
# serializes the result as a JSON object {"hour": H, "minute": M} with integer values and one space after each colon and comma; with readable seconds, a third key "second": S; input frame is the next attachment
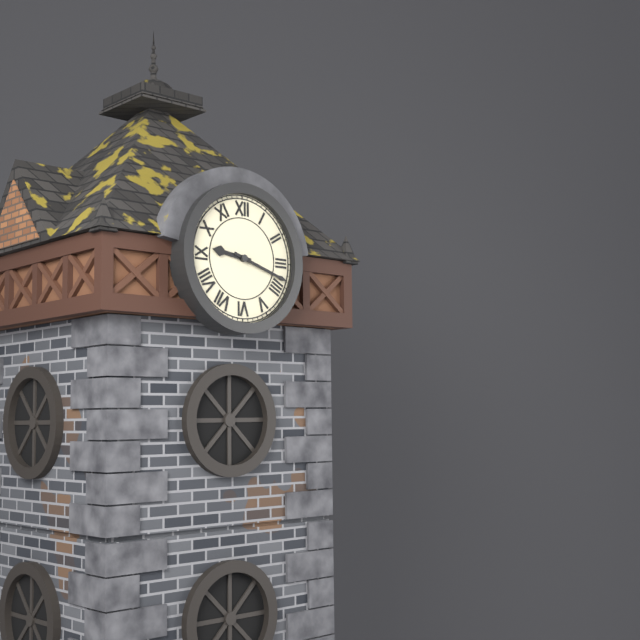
{"hour": 9, "minute": 18}
